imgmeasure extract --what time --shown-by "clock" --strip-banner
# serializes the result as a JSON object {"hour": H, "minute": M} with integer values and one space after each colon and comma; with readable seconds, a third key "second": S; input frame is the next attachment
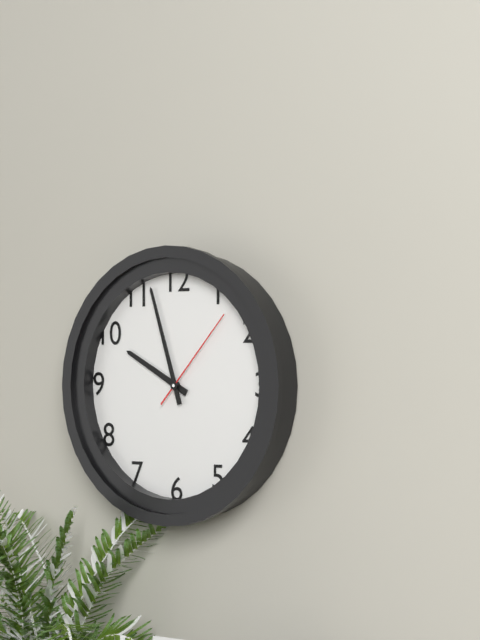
{"hour": 9, "minute": 57, "second": 7}
